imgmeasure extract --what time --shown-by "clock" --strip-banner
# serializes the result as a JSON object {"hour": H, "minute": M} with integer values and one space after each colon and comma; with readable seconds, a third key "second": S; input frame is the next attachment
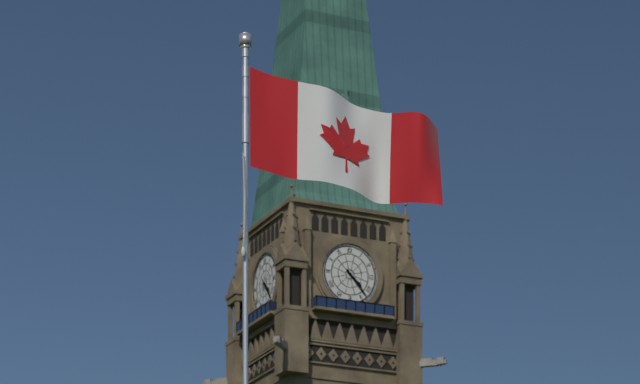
{"hour": 4, "minute": 23}
